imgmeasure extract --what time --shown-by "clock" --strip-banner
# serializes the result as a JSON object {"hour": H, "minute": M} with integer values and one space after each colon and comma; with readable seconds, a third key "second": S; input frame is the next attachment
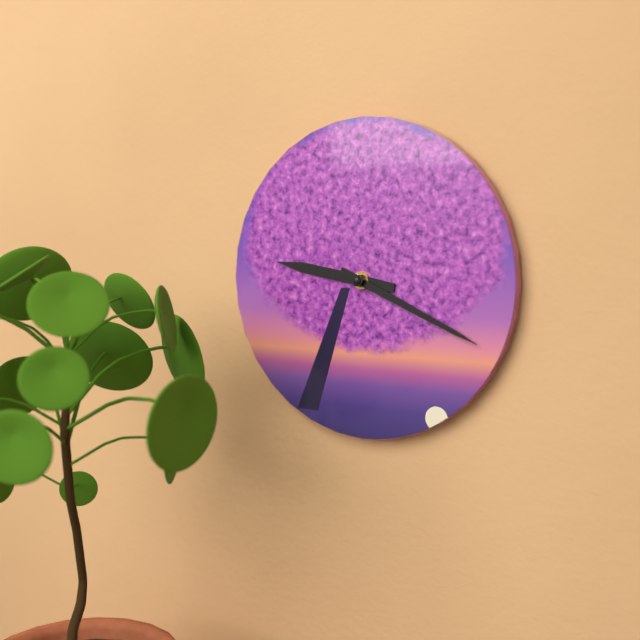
{"hour": 9, "minute": 19}
